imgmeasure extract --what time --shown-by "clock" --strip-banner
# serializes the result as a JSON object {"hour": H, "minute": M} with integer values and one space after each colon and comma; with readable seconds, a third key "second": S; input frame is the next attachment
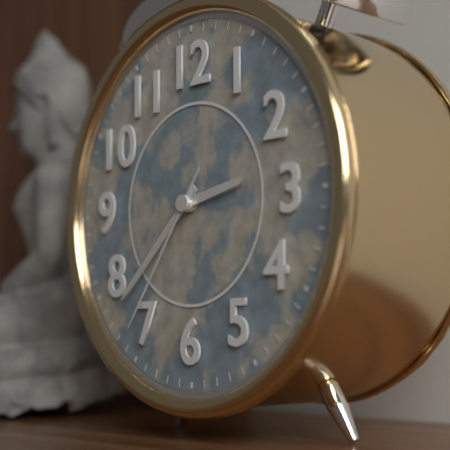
{"hour": 2, "minute": 38, "second": 36}
